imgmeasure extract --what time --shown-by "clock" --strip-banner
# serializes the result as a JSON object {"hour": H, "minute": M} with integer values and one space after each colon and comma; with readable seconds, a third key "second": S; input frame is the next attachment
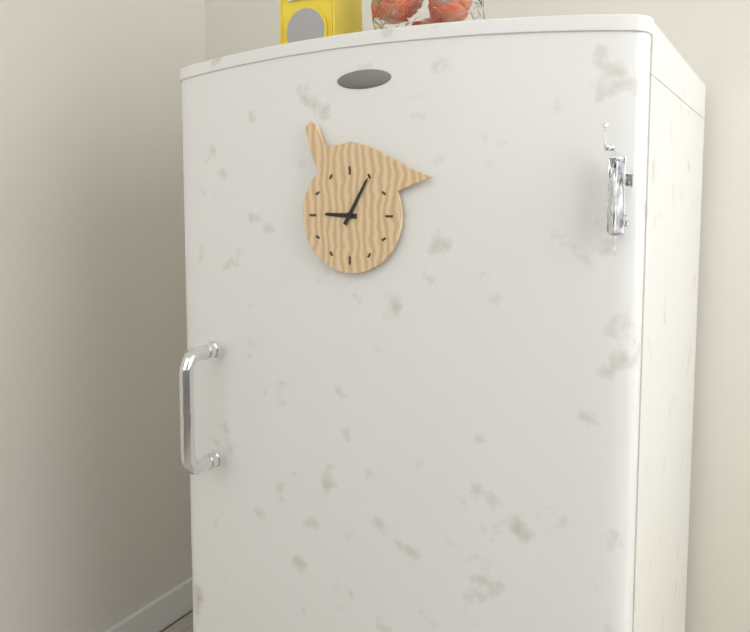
{"hour": 9, "minute": 5}
